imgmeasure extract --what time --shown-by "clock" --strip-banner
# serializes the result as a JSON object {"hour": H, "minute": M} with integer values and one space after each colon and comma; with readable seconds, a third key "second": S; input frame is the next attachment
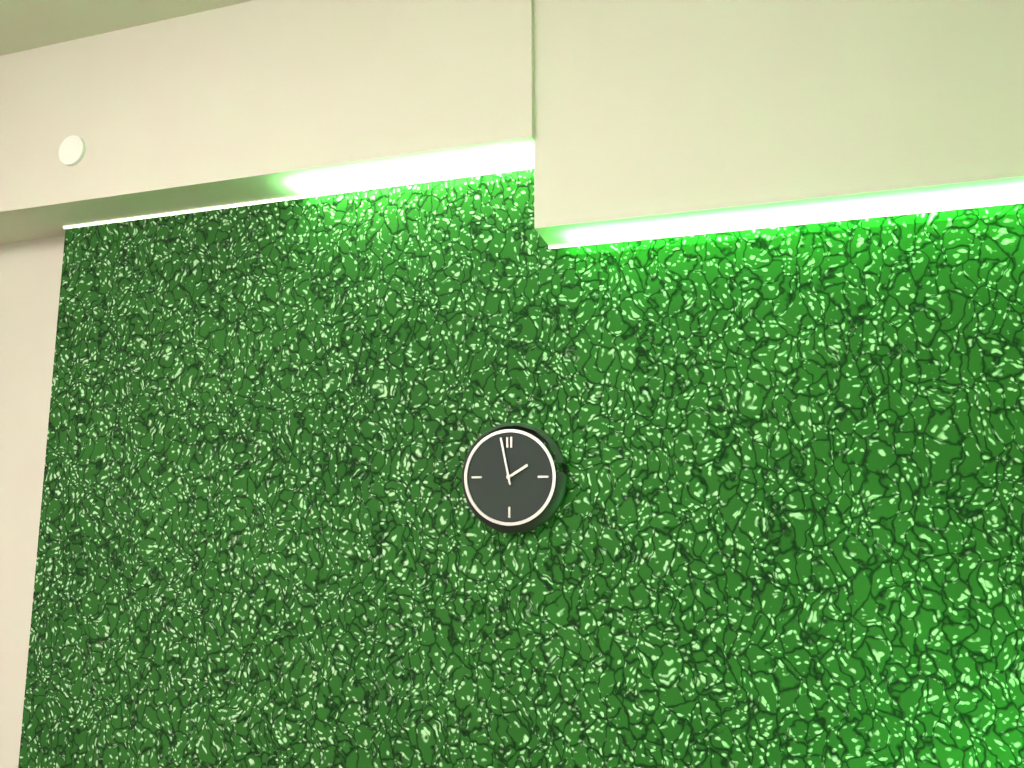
{"hour": 1, "minute": 58}
